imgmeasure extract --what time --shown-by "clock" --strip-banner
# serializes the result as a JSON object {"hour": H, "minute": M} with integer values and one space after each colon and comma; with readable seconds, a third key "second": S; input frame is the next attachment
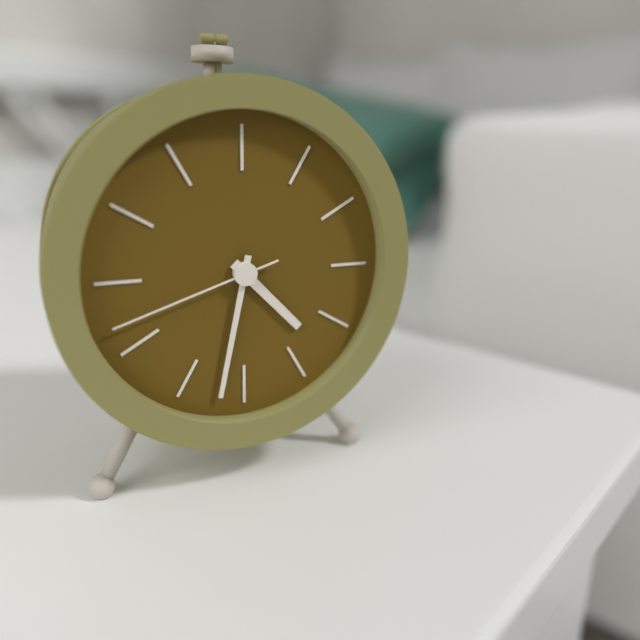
{"hour": 4, "minute": 32, "second": 42}
